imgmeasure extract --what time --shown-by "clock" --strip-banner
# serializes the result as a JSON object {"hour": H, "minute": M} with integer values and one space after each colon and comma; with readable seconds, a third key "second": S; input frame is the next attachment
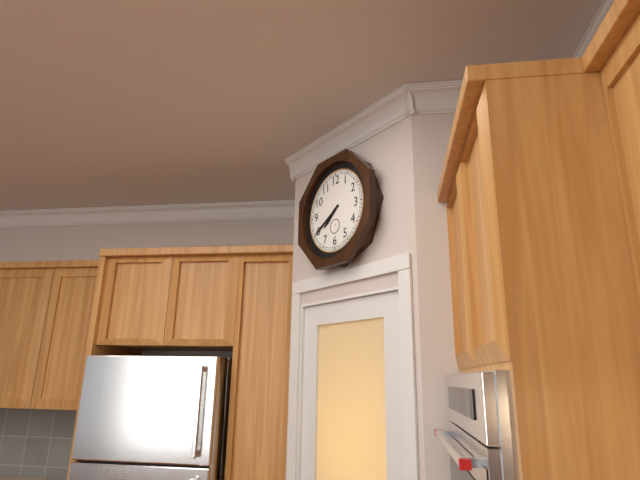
{"hour": 7, "minute": 40}
